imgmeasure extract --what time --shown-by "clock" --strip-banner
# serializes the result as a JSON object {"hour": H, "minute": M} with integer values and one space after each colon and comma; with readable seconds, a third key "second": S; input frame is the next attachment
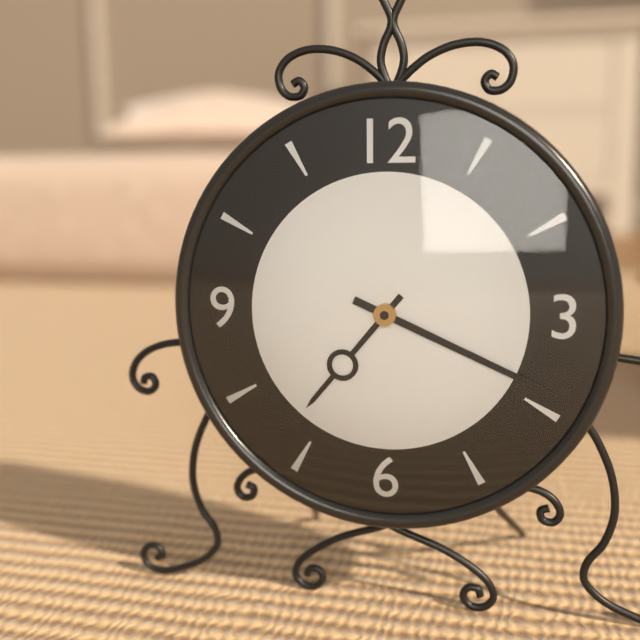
{"hour": 7, "minute": 19}
